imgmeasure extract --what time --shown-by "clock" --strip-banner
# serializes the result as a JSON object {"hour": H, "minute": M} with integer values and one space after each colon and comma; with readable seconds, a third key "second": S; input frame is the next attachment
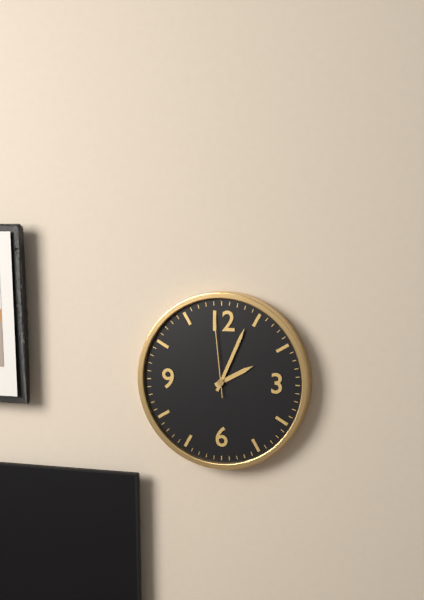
{"hour": 2, "minute": 4, "second": 59}
